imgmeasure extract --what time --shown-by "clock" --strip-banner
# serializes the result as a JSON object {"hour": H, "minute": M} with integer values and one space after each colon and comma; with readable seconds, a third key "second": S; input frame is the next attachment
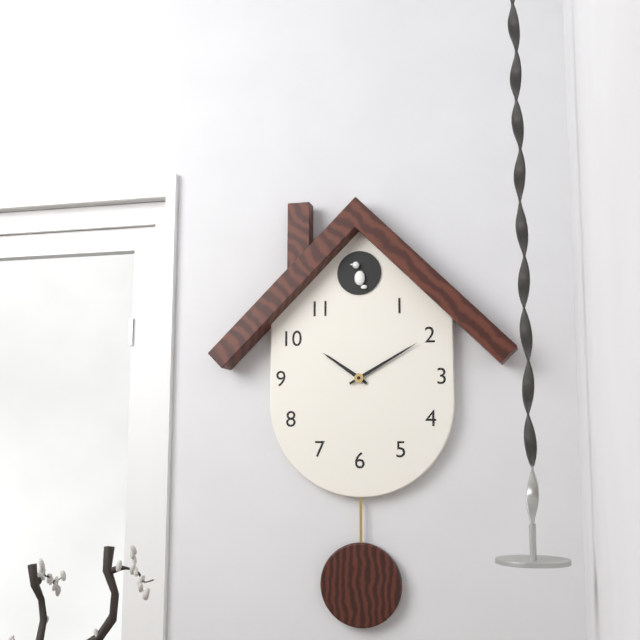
{"hour": 10, "minute": 10}
